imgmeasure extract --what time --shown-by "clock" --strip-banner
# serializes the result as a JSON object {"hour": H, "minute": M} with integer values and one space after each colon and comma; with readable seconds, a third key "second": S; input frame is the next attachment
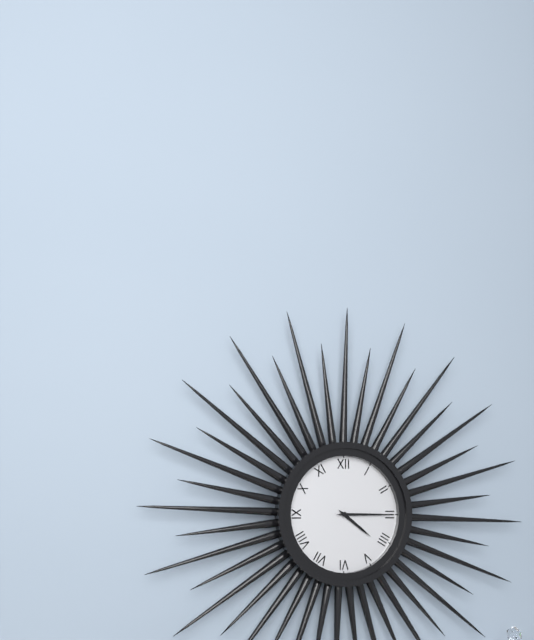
{"hour": 4, "minute": 15}
